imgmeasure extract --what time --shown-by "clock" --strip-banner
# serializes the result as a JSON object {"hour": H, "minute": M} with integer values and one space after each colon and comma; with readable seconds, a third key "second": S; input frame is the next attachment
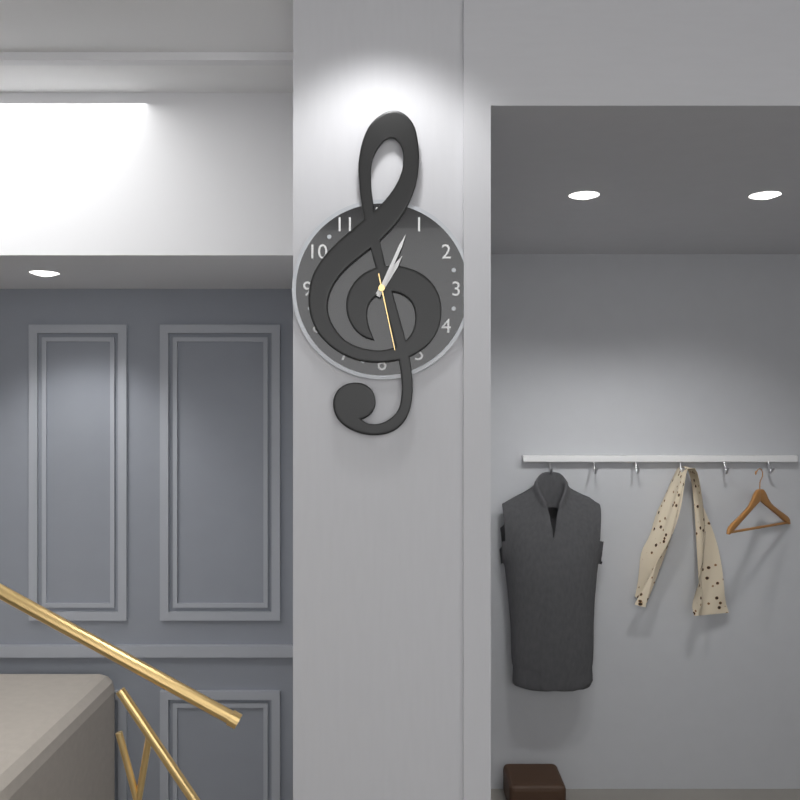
{"hour": 1, "minute": 4, "second": 28}
